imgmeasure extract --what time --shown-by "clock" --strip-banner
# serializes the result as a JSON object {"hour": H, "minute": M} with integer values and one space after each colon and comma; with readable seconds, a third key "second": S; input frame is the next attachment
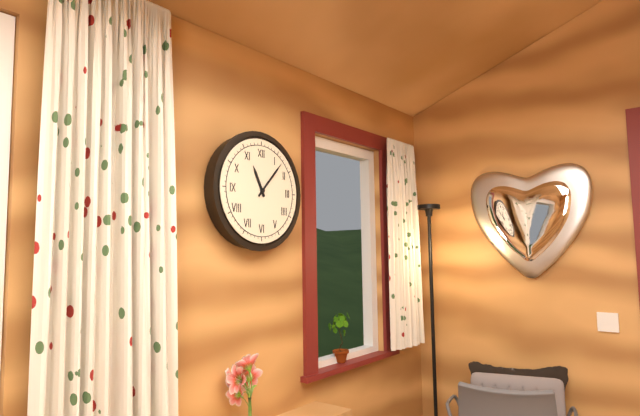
{"hour": 11, "minute": 7}
